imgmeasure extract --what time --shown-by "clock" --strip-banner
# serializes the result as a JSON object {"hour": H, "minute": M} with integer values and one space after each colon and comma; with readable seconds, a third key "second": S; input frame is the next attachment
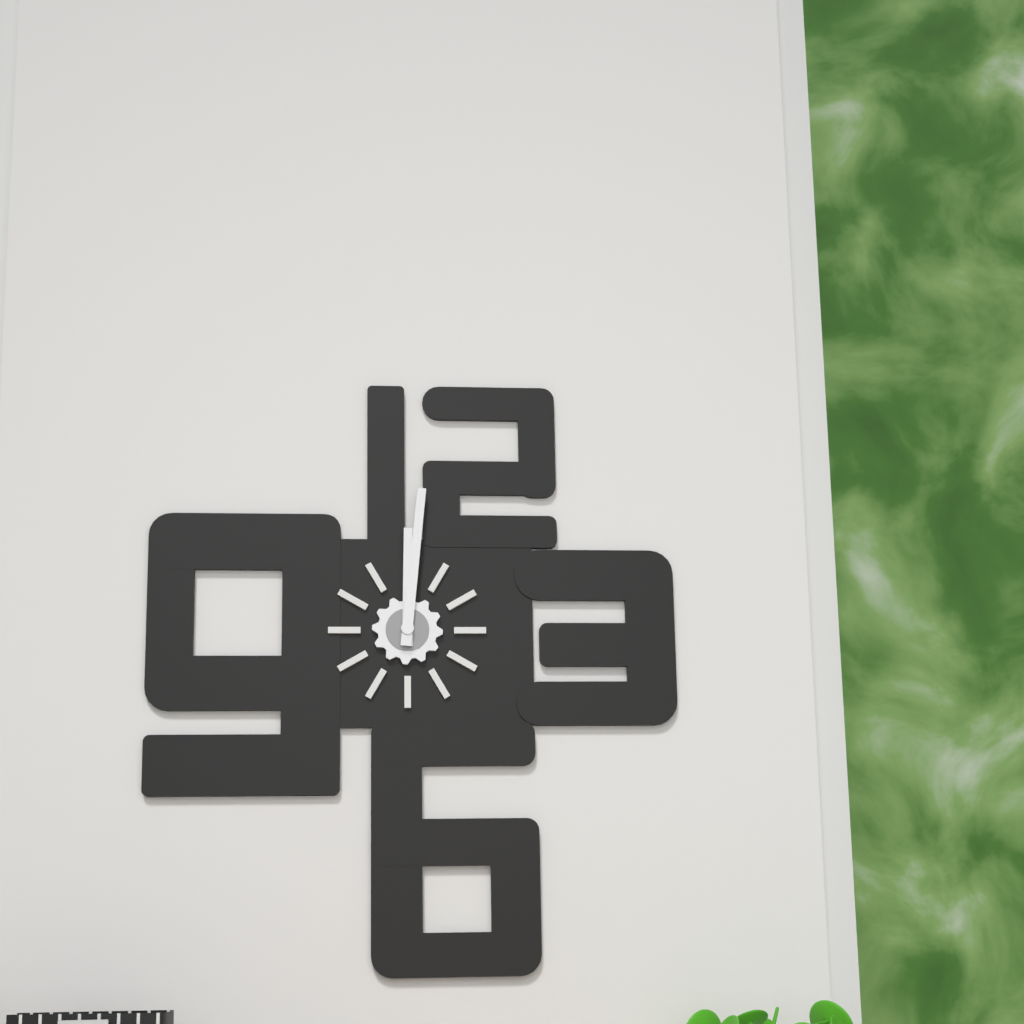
{"hour": 12, "minute": 1}
